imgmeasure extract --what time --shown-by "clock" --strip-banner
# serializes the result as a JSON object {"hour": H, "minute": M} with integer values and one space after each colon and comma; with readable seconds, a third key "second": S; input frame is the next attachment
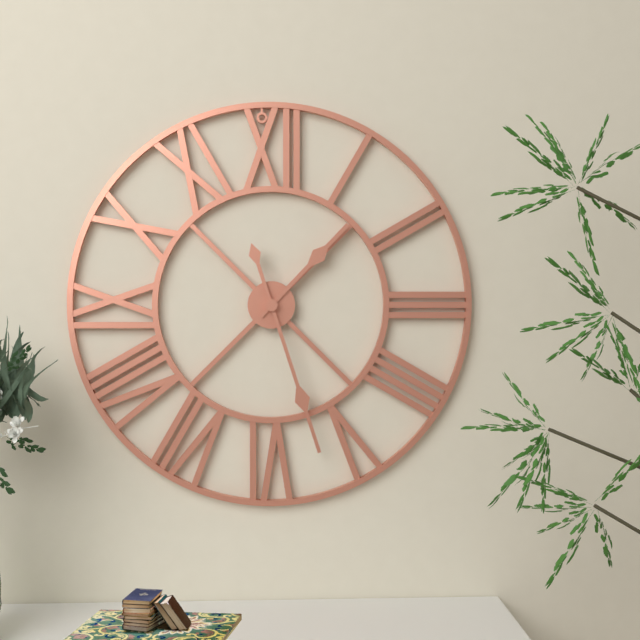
{"hour": 1, "minute": 27}
